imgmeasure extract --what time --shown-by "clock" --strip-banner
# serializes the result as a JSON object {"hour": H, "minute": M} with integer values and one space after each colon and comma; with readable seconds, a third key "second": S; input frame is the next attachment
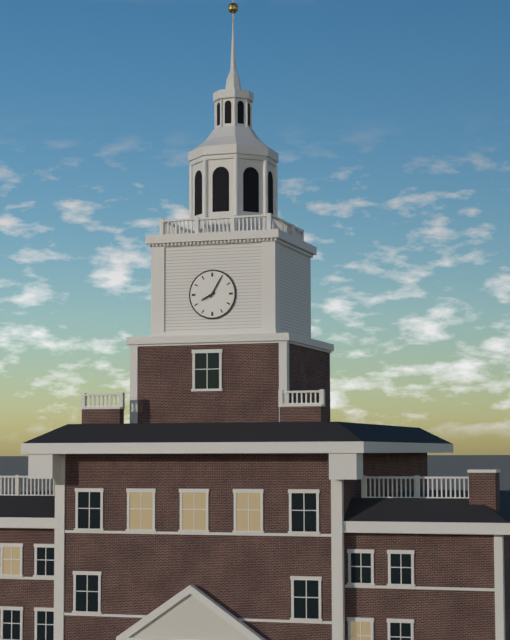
{"hour": 8, "minute": 5}
